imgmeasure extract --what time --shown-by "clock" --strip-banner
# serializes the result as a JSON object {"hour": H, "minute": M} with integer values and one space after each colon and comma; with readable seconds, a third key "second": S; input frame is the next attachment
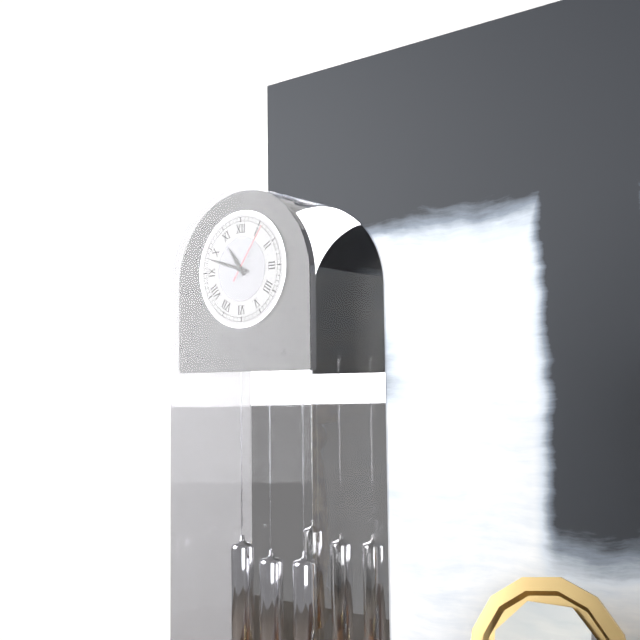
{"hour": 10, "minute": 48, "second": 6}
